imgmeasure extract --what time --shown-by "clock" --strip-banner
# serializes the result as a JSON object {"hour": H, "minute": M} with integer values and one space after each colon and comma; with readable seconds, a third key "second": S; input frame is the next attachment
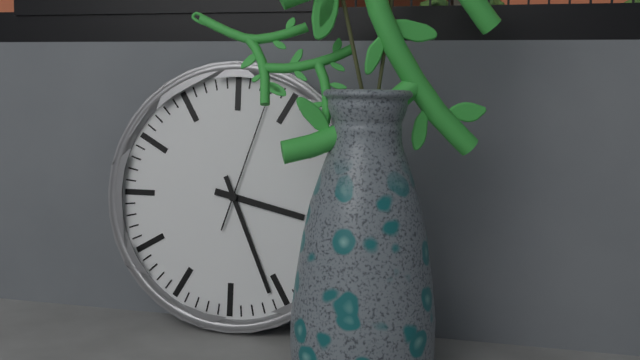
{"hour": 3, "minute": 26, "second": 3}
